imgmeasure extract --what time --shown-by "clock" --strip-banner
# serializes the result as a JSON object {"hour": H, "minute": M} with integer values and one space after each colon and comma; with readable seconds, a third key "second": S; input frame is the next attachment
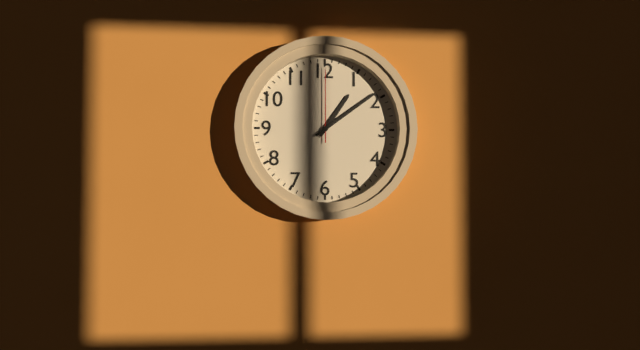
{"hour": 1, "minute": 9, "second": 0}
